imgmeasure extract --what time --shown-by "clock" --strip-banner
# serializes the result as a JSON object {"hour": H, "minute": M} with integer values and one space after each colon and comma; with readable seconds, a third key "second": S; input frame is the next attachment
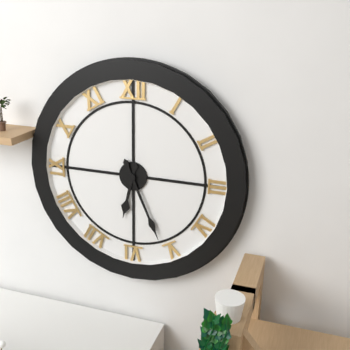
{"hour": 6, "minute": 26}
